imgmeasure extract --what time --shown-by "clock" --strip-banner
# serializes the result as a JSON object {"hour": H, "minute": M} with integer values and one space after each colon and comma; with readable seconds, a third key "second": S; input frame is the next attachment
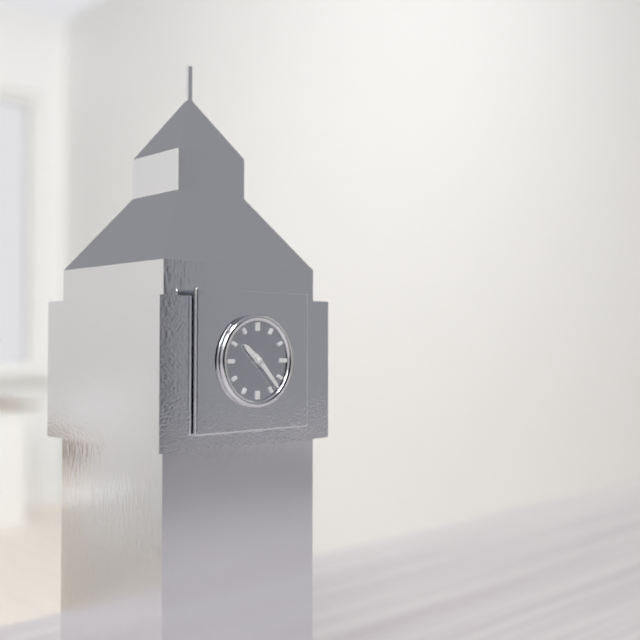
{"hour": 10, "minute": 23}
